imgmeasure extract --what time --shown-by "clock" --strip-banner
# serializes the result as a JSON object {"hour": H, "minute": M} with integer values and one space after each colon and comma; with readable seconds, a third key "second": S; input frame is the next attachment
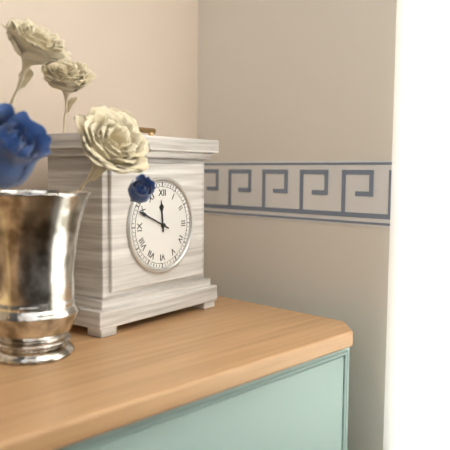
{"hour": 11, "minute": 49}
